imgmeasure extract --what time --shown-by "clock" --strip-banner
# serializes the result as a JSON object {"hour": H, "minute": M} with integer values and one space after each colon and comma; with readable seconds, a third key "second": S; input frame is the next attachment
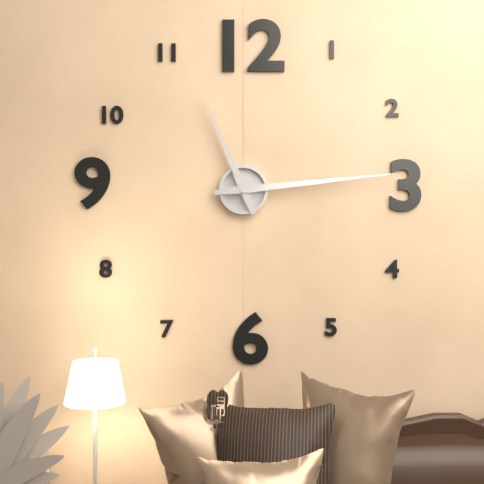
{"hour": 11, "minute": 14}
